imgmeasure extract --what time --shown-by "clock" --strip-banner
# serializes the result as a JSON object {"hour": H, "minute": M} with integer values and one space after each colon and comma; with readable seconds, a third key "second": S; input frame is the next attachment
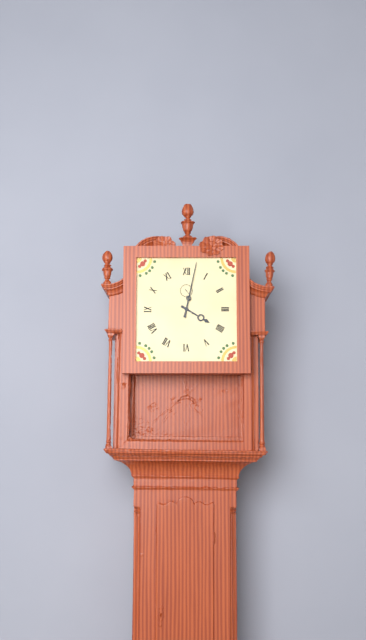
{"hour": 4, "minute": 2}
